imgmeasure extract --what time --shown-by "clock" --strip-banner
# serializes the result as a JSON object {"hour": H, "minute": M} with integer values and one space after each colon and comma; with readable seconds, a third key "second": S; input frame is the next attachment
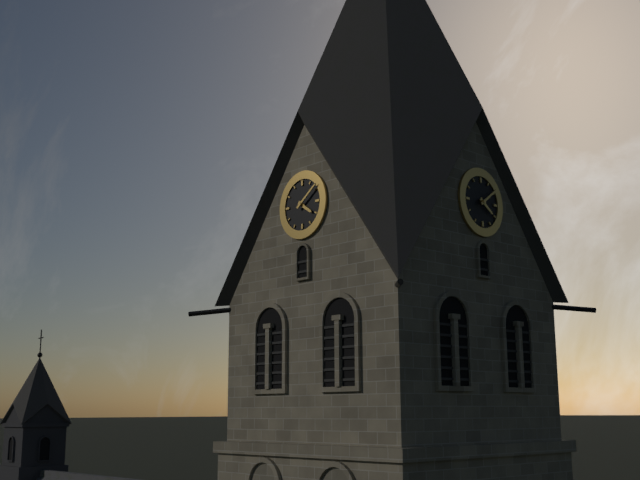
{"hour": 4, "minute": 9}
